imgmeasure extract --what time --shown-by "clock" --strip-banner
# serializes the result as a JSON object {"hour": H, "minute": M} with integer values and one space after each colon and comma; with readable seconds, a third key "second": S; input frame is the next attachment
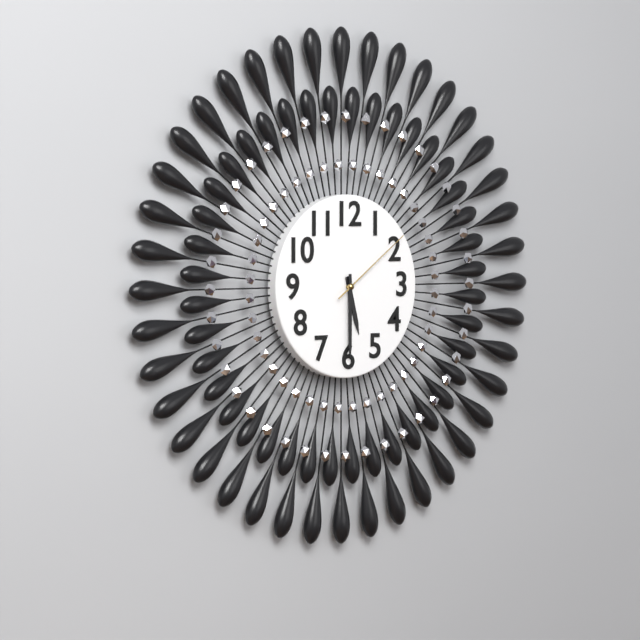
{"hour": 5, "minute": 30, "second": 9}
